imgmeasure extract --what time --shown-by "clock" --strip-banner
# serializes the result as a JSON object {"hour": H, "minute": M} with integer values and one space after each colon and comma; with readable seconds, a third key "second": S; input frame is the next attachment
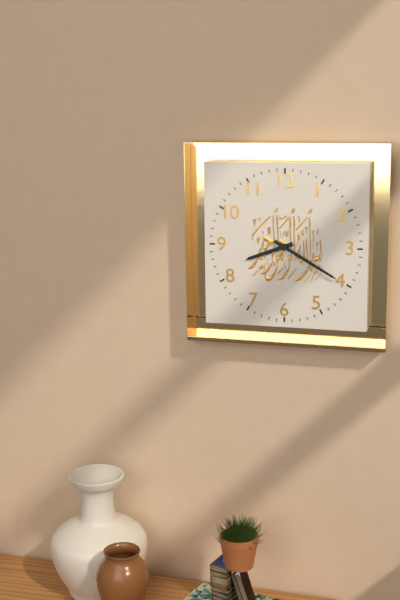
{"hour": 8, "minute": 20}
